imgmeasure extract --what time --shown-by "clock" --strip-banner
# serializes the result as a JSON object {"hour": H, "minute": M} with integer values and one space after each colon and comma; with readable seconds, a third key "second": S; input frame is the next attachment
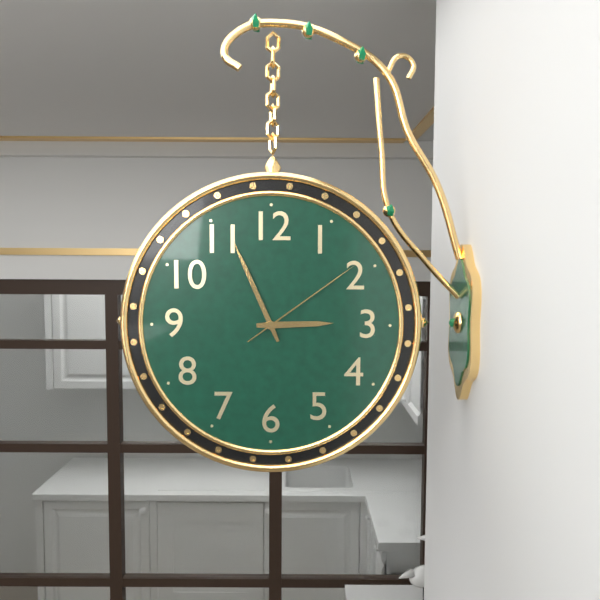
{"hour": 2, "minute": 56, "second": 9}
